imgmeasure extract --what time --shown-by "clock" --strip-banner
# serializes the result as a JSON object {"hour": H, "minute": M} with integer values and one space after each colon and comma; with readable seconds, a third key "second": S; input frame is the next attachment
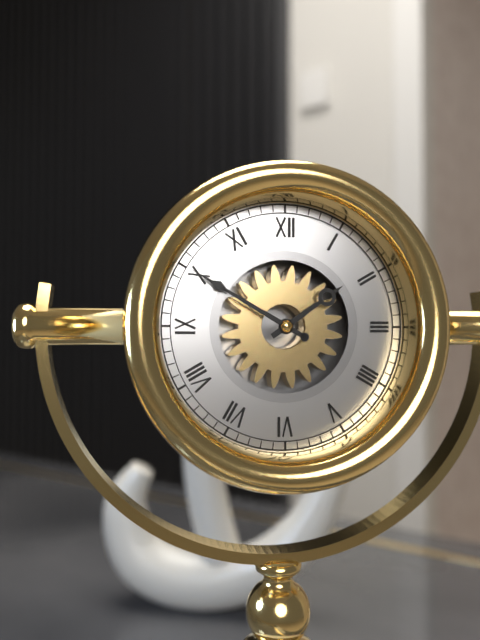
{"hour": 1, "minute": 50}
